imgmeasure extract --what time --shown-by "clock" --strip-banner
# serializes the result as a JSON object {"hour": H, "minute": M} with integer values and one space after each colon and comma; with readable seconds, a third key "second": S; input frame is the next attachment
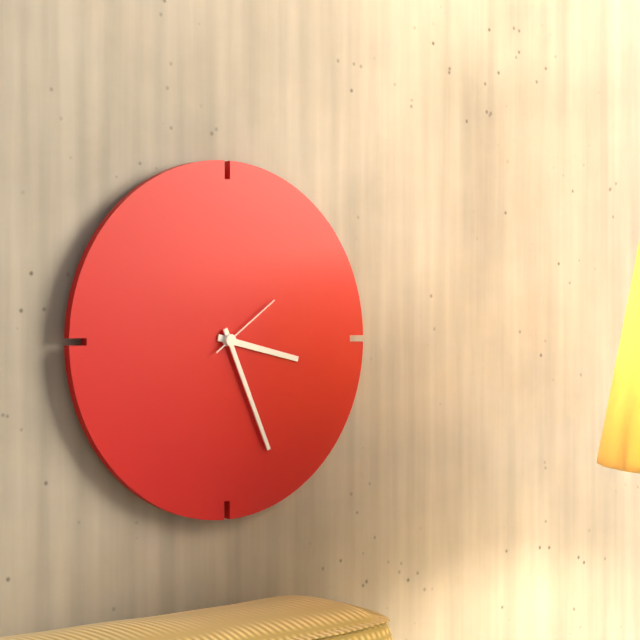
{"hour": 3, "minute": 26, "second": 9}
